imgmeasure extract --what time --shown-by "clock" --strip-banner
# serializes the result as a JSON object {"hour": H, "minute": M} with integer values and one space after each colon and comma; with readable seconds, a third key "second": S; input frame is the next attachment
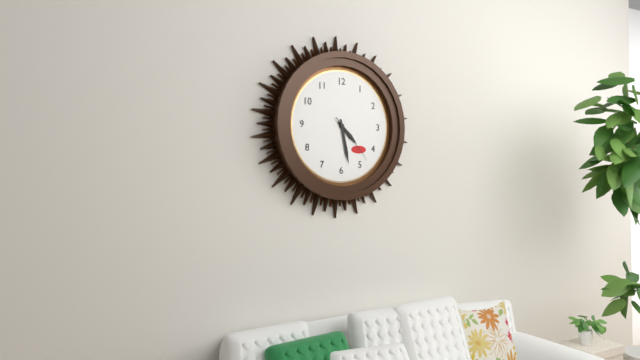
{"hour": 4, "minute": 28, "second": 23}
